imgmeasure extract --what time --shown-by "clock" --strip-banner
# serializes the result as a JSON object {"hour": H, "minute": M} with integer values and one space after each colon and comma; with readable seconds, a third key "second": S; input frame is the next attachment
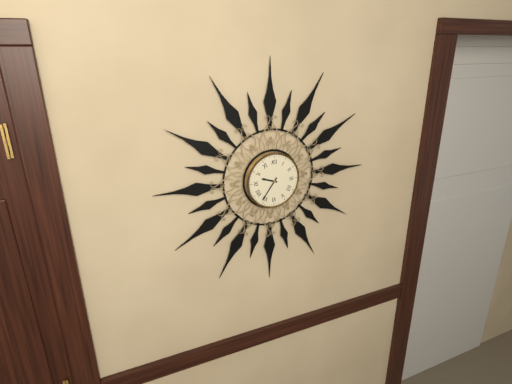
{"hour": 9, "minute": 36}
